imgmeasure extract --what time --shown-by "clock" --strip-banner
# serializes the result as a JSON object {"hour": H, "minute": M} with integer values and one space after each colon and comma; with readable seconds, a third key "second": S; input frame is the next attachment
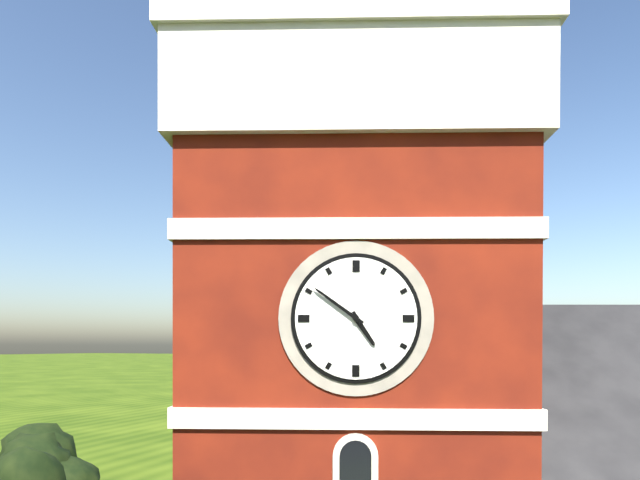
{"hour": 4, "minute": 51}
